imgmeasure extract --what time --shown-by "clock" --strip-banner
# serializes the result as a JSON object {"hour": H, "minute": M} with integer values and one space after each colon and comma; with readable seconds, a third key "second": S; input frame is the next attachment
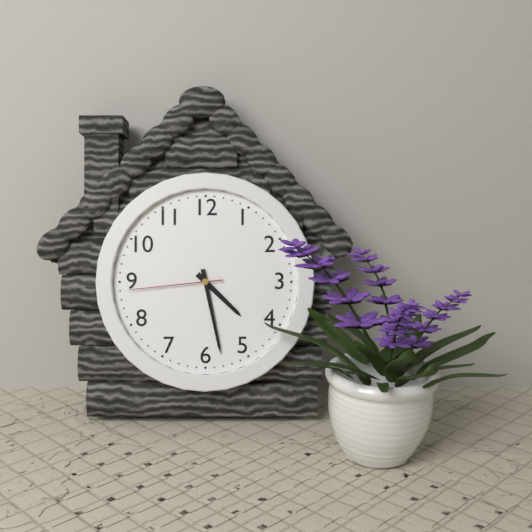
{"hour": 4, "minute": 28, "second": 44}
